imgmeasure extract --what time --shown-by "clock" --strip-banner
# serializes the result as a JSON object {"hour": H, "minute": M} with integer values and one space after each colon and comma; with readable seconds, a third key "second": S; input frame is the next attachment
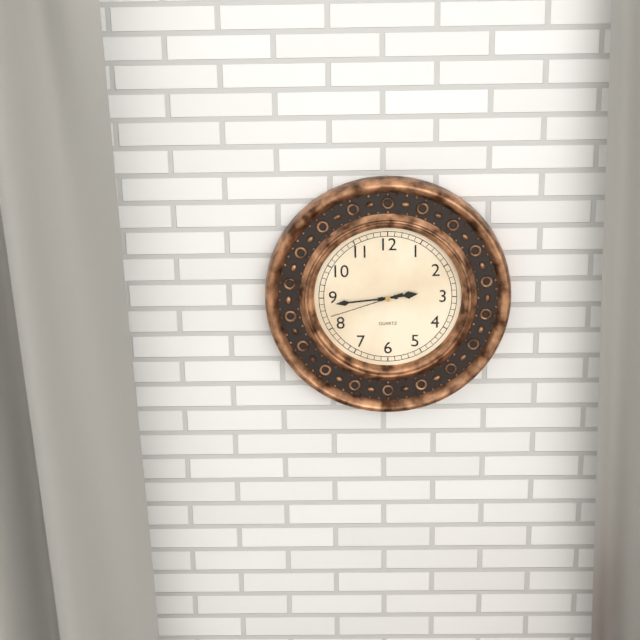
{"hour": 2, "minute": 44, "second": 42}
